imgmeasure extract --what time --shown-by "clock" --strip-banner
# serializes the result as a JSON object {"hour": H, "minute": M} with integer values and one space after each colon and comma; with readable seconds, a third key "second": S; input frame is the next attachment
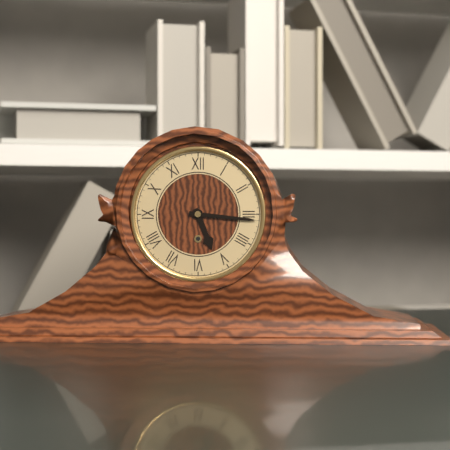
{"hour": 5, "minute": 16}
